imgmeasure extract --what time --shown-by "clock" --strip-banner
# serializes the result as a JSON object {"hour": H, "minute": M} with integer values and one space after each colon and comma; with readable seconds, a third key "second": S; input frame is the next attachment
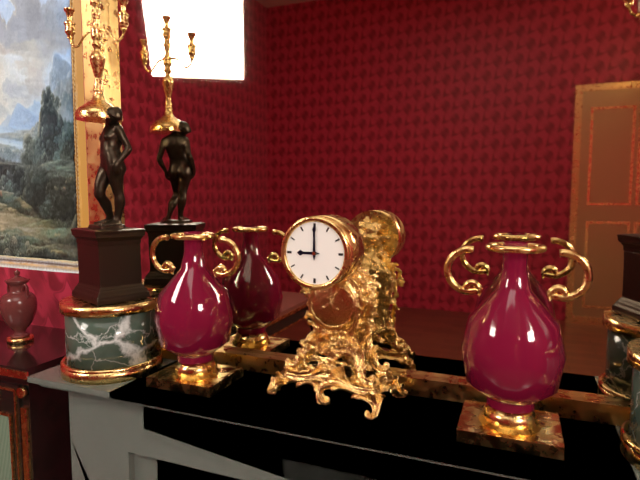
{"hour": 9, "minute": 0}
